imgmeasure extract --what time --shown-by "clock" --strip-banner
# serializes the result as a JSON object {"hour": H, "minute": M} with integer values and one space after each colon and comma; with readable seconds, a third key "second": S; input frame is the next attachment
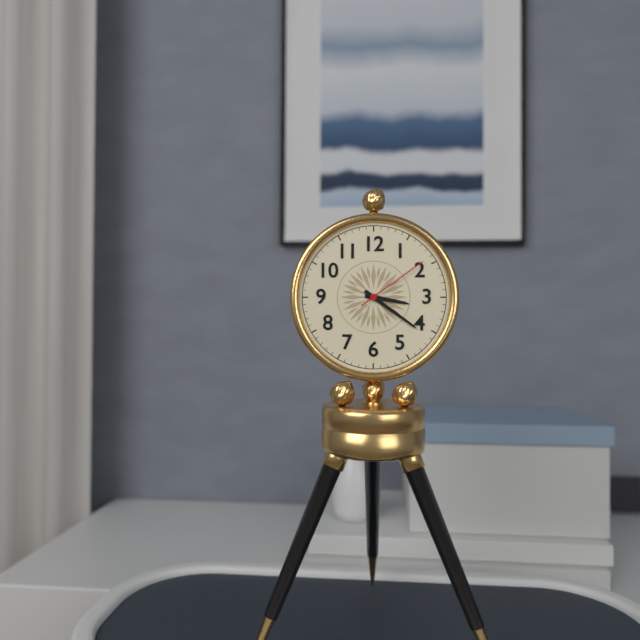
{"hour": 3, "minute": 21, "second": 9}
